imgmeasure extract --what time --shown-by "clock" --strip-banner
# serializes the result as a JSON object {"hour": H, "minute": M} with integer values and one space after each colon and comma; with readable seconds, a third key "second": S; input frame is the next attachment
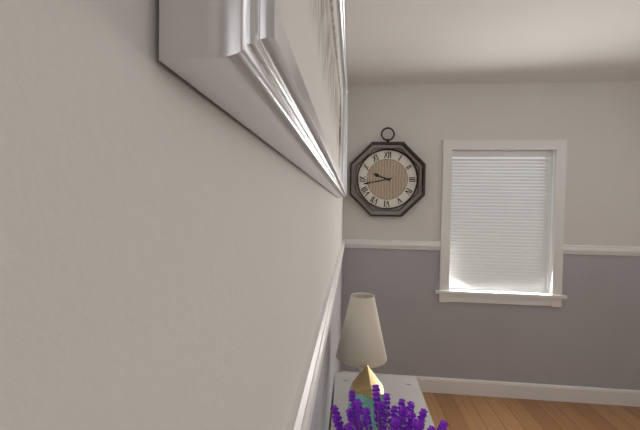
{"hour": 9, "minute": 43}
